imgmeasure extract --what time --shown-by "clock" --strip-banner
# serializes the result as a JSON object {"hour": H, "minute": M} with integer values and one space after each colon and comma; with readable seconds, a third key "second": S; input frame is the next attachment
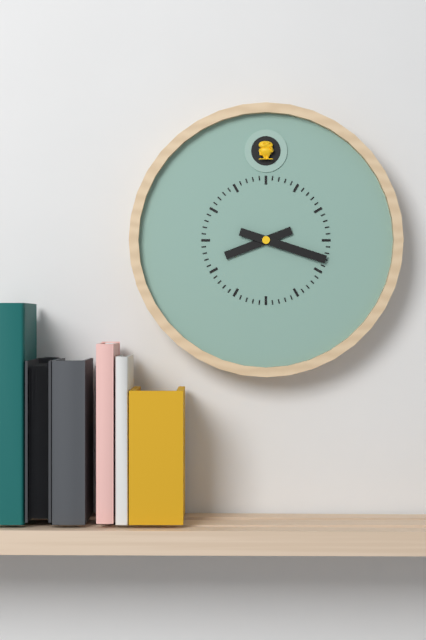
{"hour": 8, "minute": 18}
